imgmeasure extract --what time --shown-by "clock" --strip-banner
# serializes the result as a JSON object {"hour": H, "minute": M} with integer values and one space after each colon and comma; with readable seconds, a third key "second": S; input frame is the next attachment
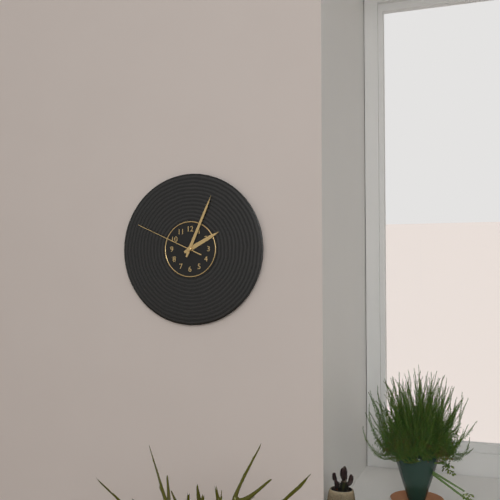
{"hour": 2, "minute": 4, "second": 49}
